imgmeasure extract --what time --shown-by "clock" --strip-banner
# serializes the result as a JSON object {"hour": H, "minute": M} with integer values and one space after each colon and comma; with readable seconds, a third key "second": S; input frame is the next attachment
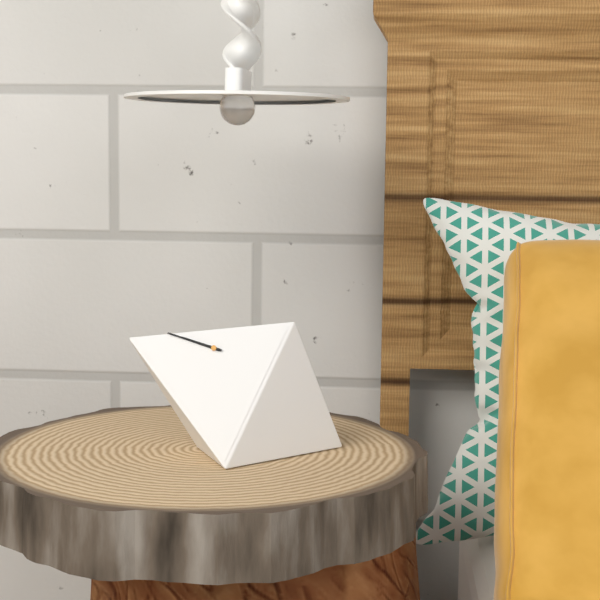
{"hour": 9, "minute": 49}
